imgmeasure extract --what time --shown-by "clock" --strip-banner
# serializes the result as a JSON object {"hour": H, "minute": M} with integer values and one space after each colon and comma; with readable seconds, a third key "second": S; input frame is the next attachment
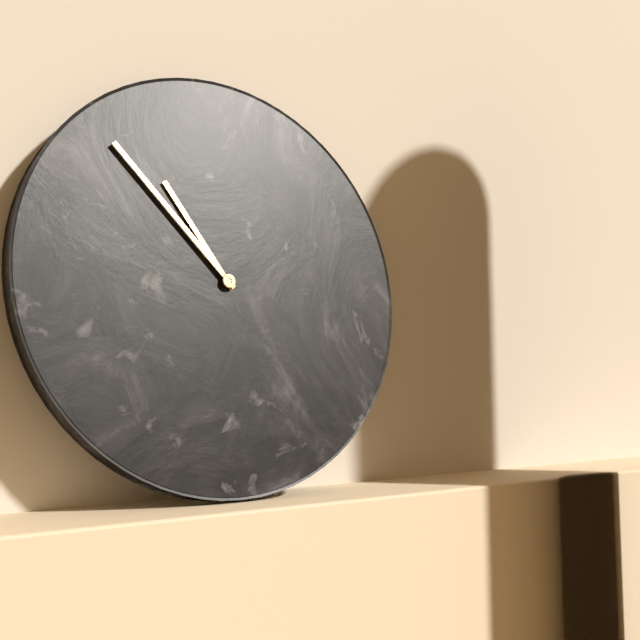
{"hour": 10, "minute": 53}
